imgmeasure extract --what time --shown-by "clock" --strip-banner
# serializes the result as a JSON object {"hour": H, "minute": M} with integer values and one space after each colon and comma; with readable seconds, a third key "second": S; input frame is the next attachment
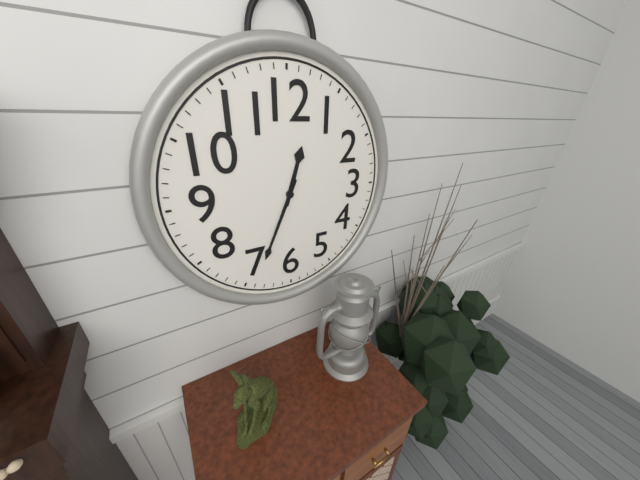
{"hour": 12, "minute": 34}
